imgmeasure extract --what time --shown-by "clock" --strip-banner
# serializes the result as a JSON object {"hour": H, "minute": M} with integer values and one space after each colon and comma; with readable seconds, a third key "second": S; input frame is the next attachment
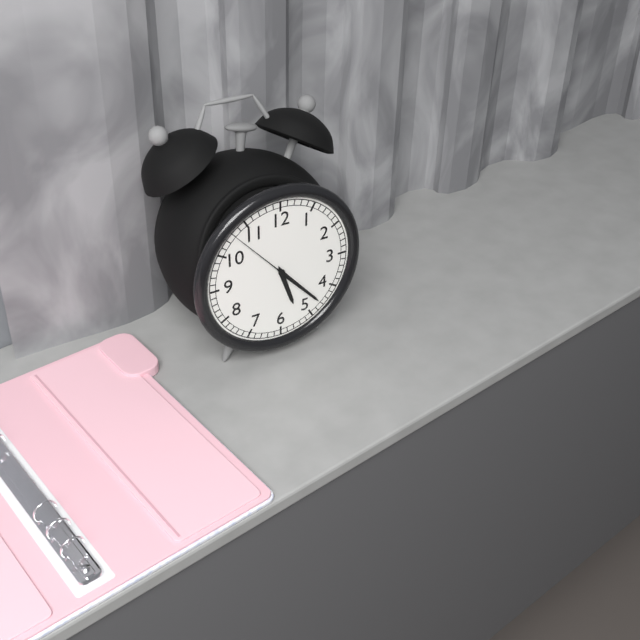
{"hour": 5, "minute": 23, "second": 53}
